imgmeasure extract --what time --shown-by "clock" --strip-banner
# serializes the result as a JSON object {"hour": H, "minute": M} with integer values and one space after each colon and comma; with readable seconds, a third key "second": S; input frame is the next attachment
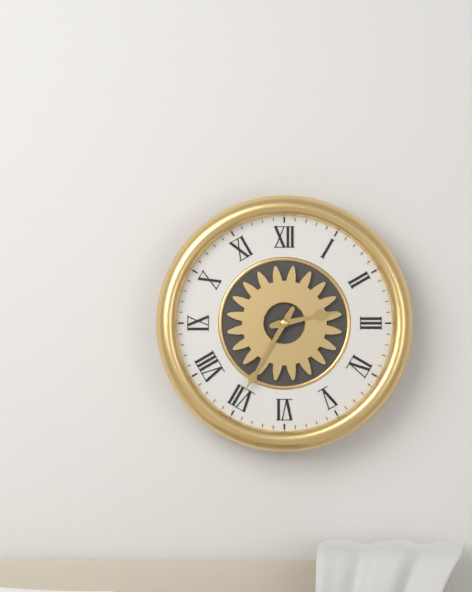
{"hour": 2, "minute": 35}
